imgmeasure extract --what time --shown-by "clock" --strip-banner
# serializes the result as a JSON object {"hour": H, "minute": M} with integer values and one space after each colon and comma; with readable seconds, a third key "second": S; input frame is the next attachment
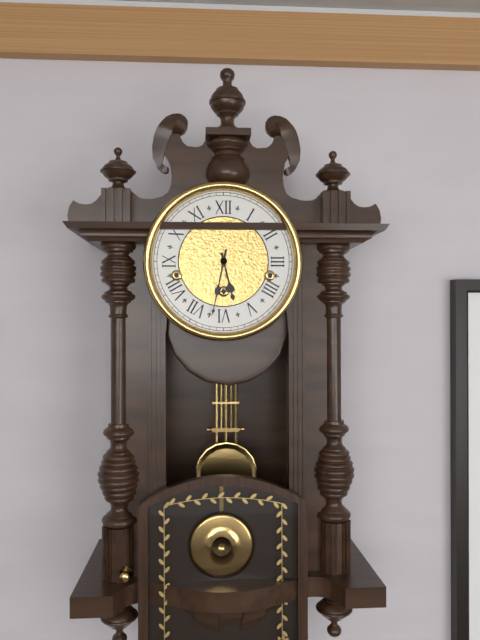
{"hour": 5, "minute": 32}
